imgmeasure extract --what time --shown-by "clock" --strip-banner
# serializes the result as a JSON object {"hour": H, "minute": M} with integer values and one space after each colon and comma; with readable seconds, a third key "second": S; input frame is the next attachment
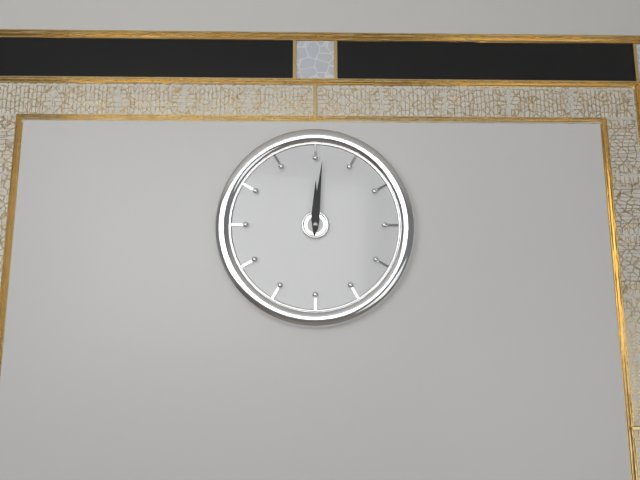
{"hour": 12, "minute": 1}
